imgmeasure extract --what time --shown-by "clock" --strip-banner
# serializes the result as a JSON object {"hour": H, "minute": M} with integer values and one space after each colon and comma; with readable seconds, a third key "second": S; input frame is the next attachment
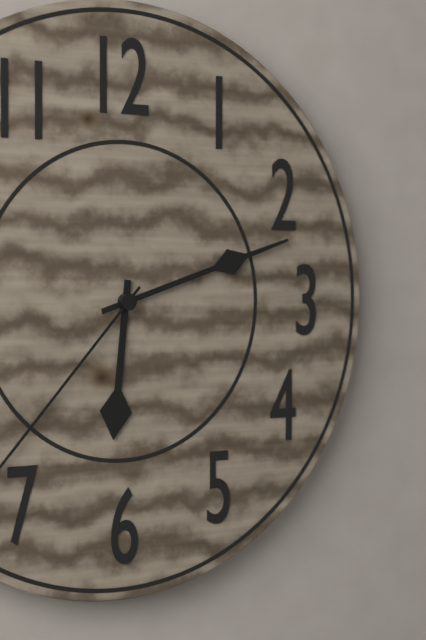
{"hour": 6, "minute": 12}
